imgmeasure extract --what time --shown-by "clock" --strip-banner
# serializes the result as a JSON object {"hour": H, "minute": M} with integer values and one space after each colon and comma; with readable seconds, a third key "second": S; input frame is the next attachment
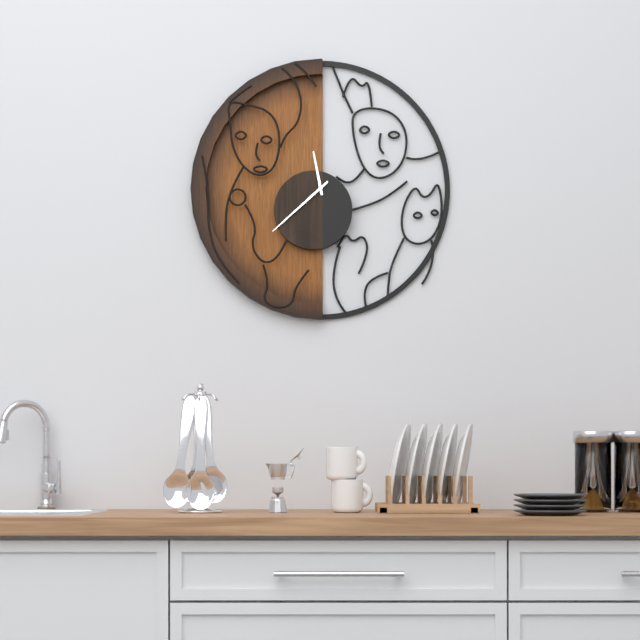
{"hour": 11, "minute": 38}
